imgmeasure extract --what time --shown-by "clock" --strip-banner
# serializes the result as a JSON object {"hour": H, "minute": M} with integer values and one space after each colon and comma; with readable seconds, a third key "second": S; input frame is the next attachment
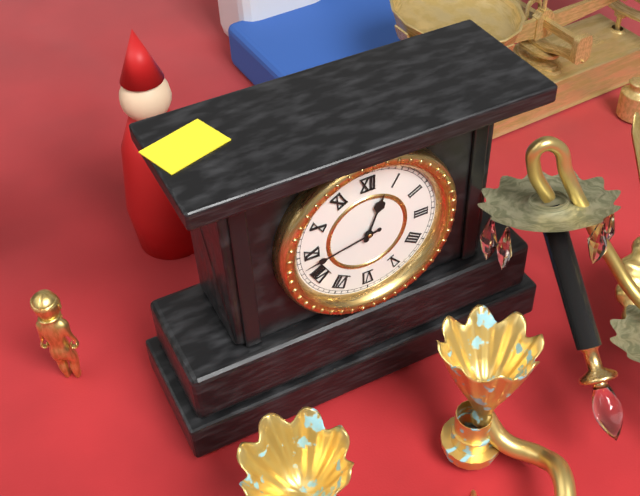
{"hour": 12, "minute": 43}
